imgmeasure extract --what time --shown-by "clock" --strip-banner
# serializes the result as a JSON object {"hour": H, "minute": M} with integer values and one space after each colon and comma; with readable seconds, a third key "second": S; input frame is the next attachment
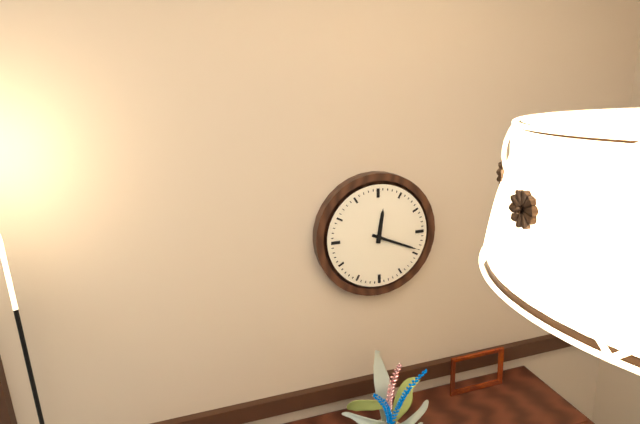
{"hour": 12, "minute": 19}
